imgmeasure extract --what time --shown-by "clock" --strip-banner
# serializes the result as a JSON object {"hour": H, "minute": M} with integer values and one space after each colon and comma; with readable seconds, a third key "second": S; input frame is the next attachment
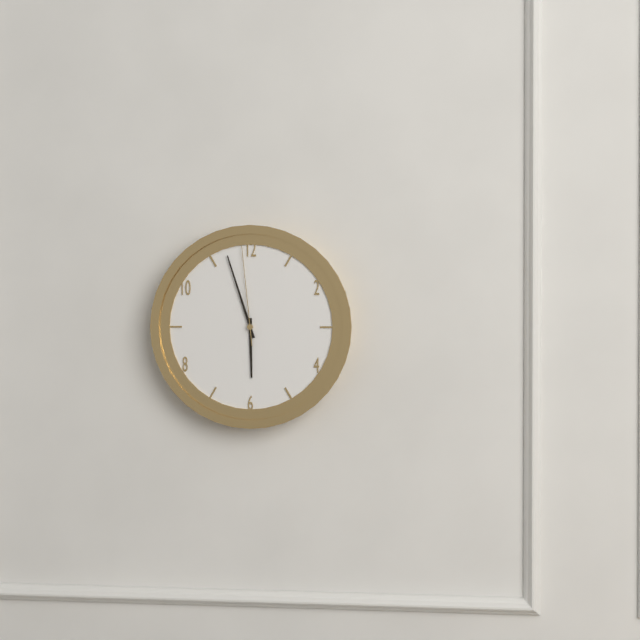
{"hour": 5, "minute": 57, "second": 59}
